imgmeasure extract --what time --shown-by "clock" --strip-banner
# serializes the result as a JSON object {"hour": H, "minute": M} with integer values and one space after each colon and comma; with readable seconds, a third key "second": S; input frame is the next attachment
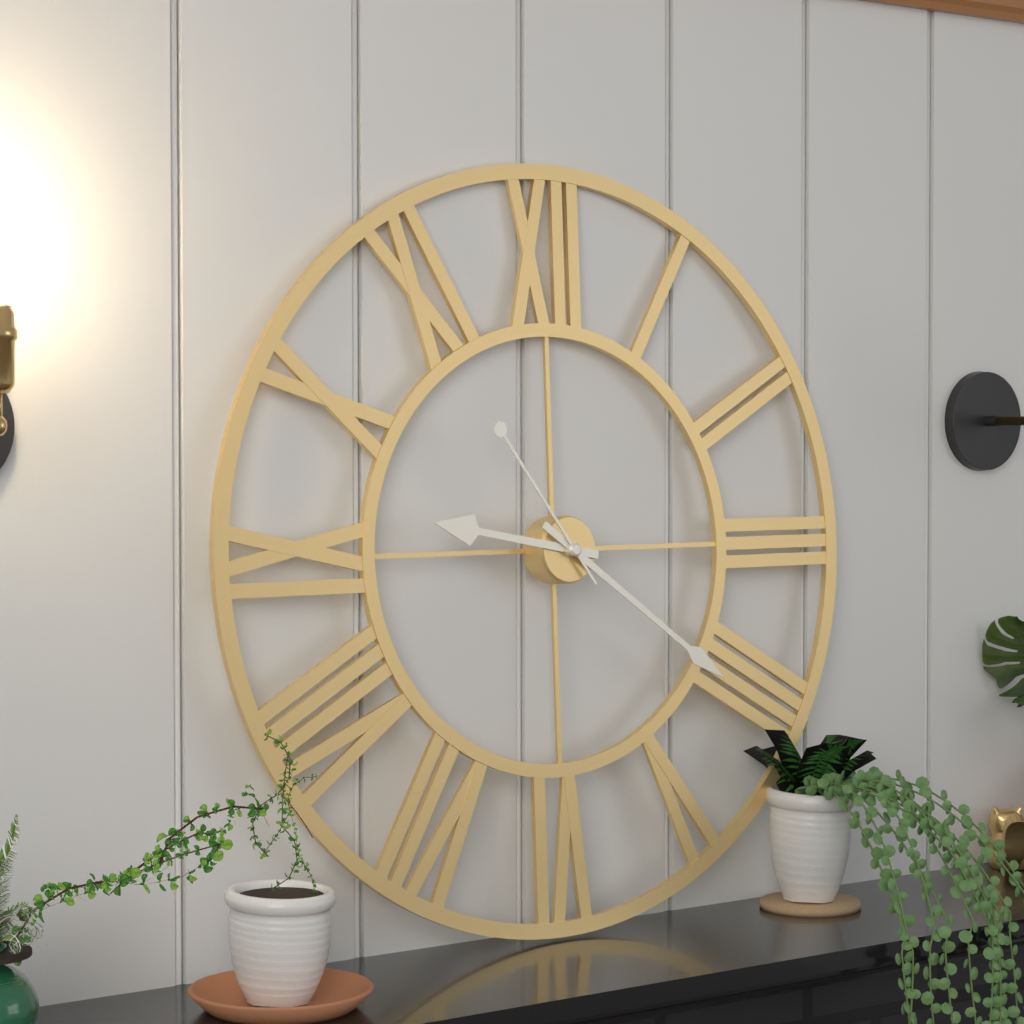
{"hour": 9, "minute": 21, "second": 54}
